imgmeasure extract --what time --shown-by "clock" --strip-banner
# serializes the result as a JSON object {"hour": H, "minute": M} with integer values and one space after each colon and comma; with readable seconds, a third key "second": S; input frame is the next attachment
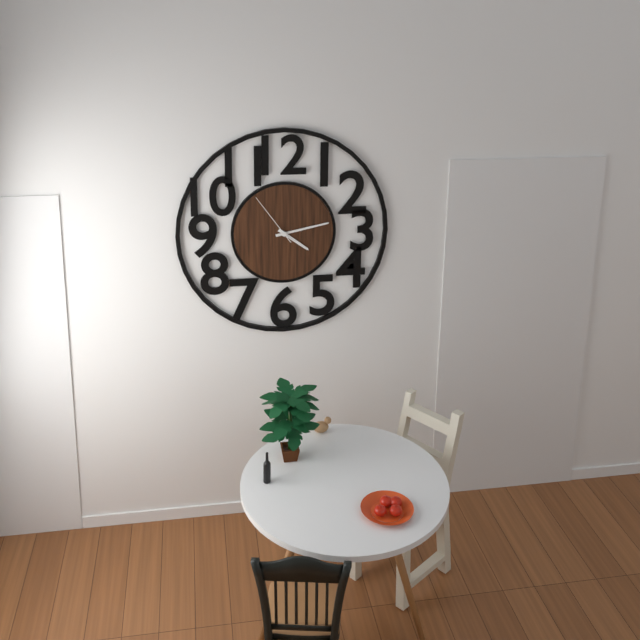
{"hour": 4, "minute": 13, "second": 54}
